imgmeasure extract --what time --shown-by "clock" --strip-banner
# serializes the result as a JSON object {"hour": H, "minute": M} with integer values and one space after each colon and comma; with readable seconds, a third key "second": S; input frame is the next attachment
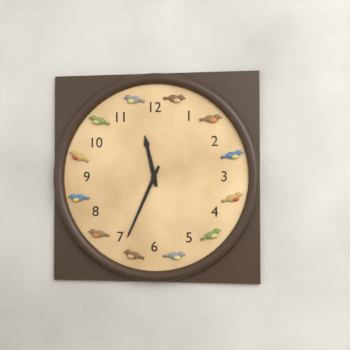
{"hour": 11, "minute": 34}
